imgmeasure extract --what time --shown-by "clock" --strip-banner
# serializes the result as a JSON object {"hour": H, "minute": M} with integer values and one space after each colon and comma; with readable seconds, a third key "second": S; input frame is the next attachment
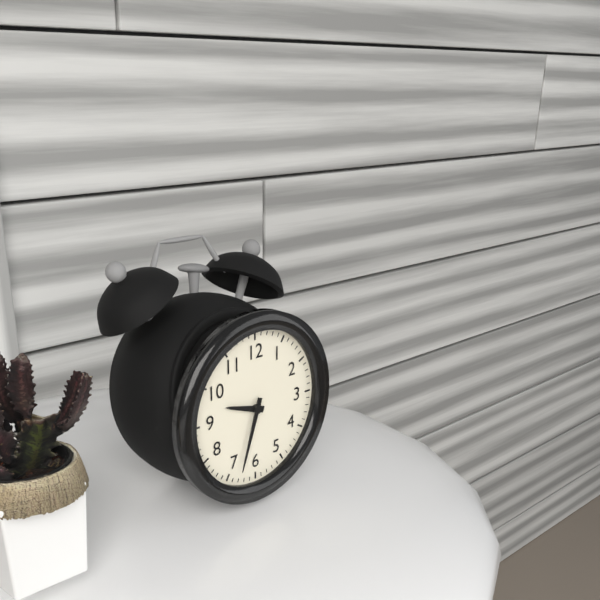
{"hour": 9, "minute": 33}
